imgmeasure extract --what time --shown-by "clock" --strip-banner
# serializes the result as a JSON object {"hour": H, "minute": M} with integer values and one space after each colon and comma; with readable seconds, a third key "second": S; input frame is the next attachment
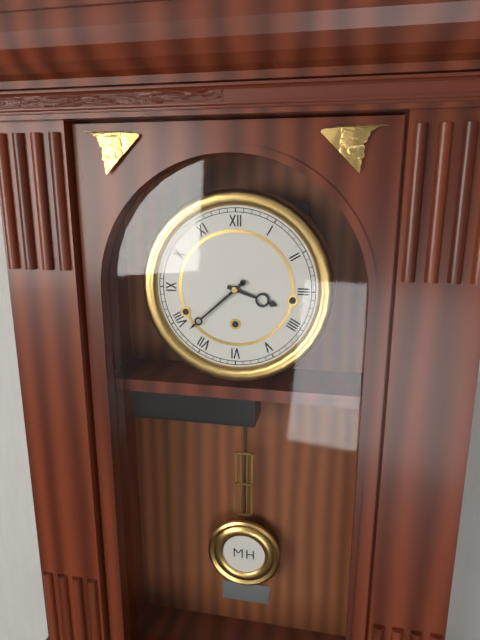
{"hour": 3, "minute": 38}
